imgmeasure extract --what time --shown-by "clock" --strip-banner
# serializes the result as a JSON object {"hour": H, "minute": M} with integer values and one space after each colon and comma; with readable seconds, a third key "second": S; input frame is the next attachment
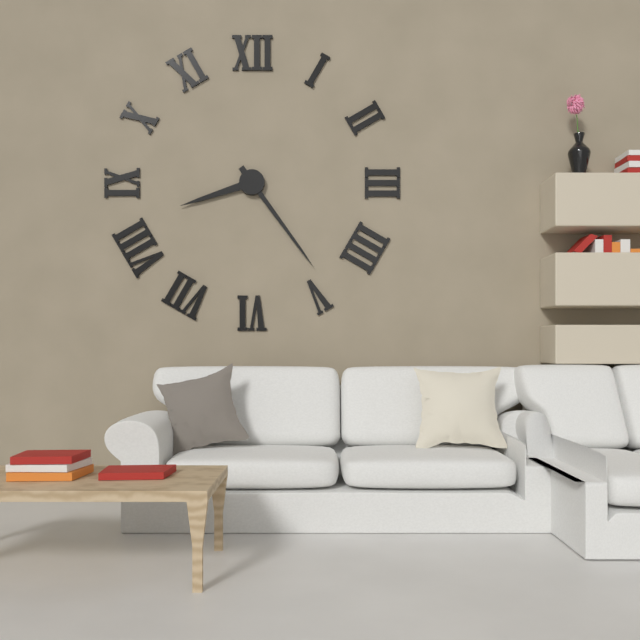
{"hour": 8, "minute": 24}
